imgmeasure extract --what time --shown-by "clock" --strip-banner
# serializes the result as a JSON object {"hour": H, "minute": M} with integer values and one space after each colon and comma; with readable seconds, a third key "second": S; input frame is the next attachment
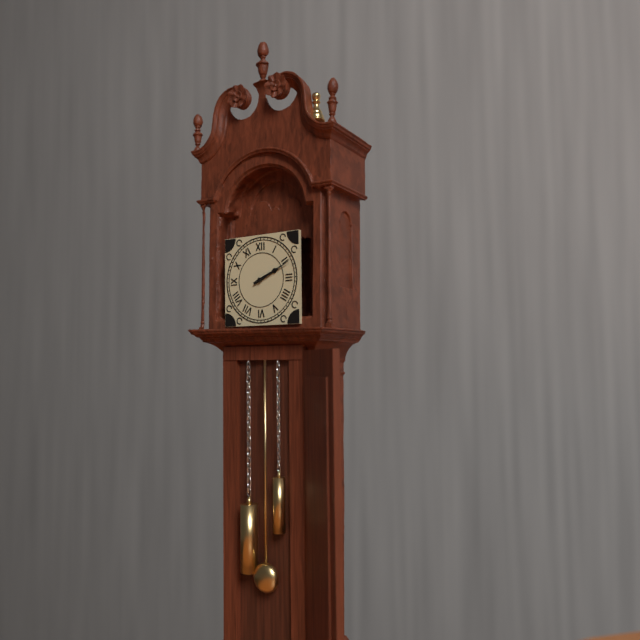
{"hour": 2, "minute": 11}
